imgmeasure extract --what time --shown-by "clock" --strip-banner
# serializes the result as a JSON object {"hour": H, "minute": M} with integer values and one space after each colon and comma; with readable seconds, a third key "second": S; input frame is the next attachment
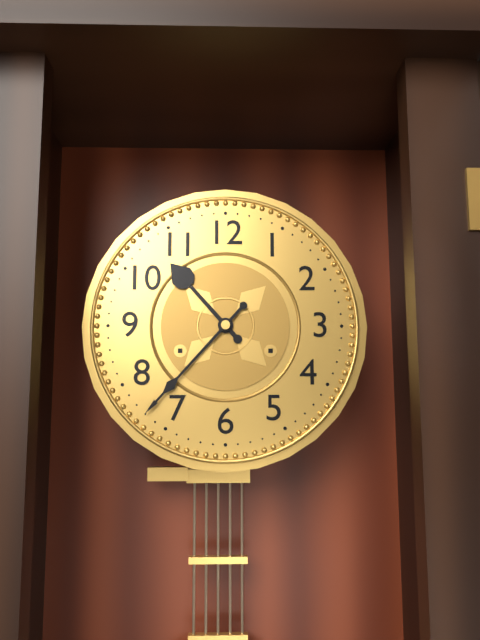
{"hour": 10, "minute": 37}
